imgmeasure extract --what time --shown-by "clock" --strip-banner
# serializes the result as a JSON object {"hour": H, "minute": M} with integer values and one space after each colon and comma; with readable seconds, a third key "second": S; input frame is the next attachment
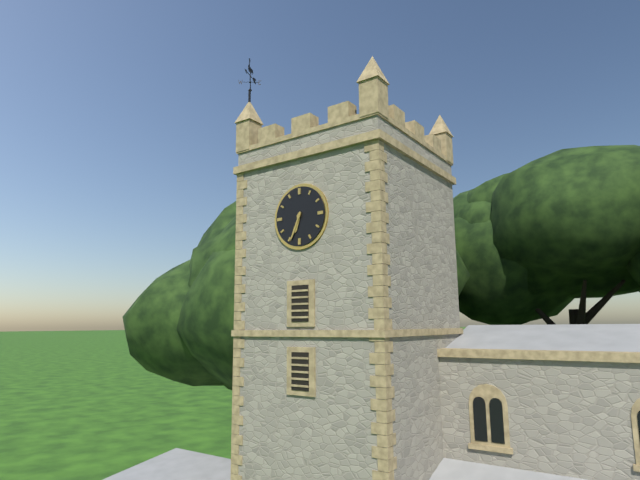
{"hour": 6, "minute": 34}
